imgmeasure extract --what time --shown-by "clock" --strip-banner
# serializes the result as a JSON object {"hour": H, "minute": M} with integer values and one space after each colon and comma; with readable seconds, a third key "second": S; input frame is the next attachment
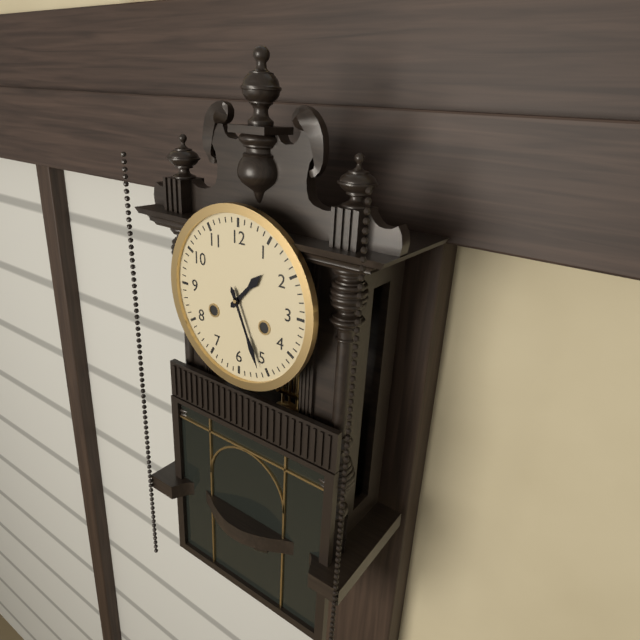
{"hour": 1, "minute": 26}
